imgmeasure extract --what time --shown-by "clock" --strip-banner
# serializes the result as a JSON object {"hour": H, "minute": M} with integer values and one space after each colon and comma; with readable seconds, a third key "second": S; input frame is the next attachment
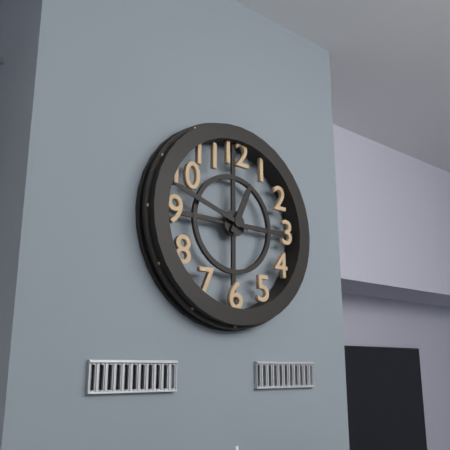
{"hour": 12, "minute": 48}
